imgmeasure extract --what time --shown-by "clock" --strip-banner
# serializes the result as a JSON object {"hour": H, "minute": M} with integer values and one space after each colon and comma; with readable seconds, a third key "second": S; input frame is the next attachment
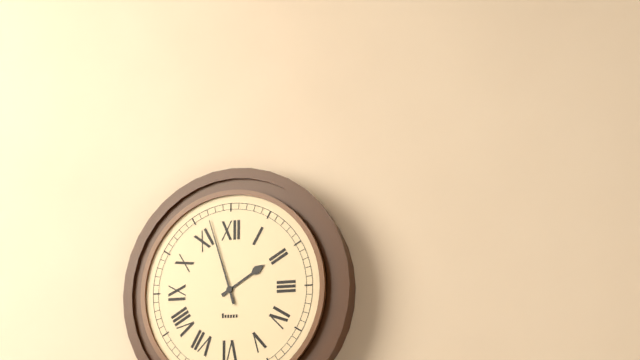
{"hour": 1, "minute": 57}
